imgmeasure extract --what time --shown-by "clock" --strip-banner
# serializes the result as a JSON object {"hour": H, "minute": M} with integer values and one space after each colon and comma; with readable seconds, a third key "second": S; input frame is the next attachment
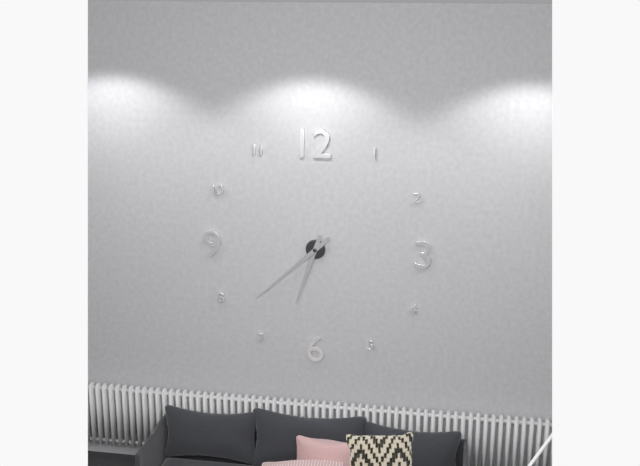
{"hour": 6, "minute": 38}
